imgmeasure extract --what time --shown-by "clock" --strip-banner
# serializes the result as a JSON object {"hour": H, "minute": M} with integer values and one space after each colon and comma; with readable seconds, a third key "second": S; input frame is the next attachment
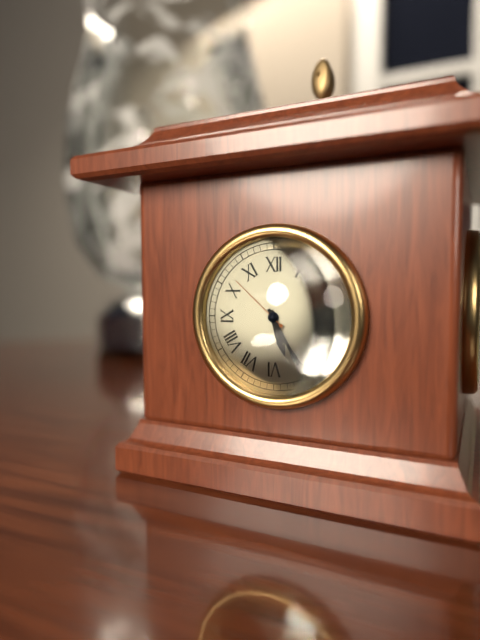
{"hour": 5, "minute": 25, "second": 52}
